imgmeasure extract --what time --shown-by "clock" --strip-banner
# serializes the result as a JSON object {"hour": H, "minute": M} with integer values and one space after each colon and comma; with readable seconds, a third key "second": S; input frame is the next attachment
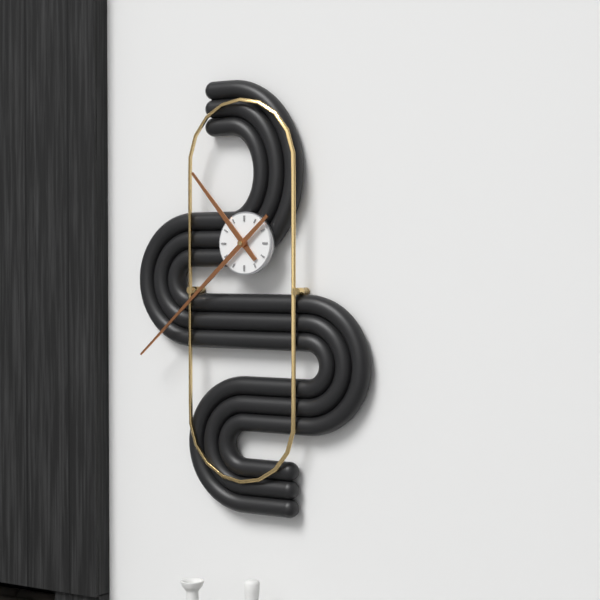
{"hour": 10, "minute": 38}
